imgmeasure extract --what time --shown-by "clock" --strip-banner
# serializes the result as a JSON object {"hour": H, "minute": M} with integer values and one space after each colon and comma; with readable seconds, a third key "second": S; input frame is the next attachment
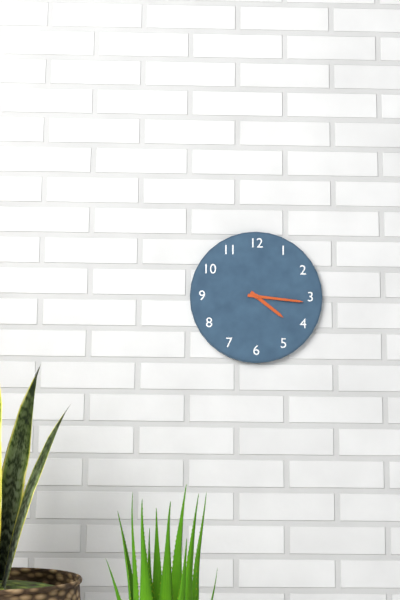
{"hour": 4, "minute": 16}
